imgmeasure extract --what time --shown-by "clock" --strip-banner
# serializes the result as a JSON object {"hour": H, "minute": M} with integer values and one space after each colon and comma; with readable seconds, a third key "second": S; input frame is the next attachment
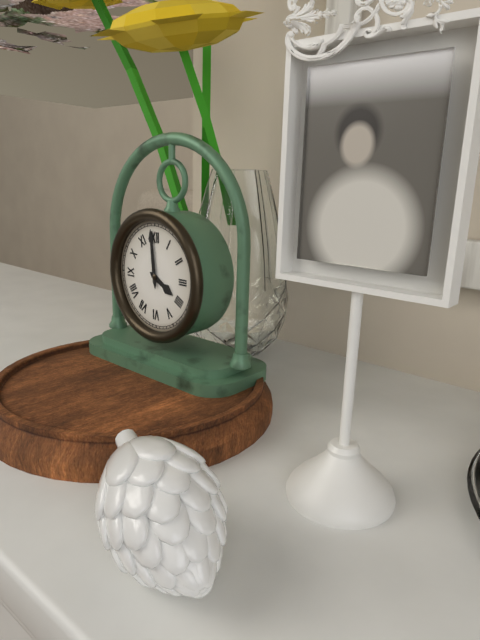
{"hour": 3, "minute": 59}
